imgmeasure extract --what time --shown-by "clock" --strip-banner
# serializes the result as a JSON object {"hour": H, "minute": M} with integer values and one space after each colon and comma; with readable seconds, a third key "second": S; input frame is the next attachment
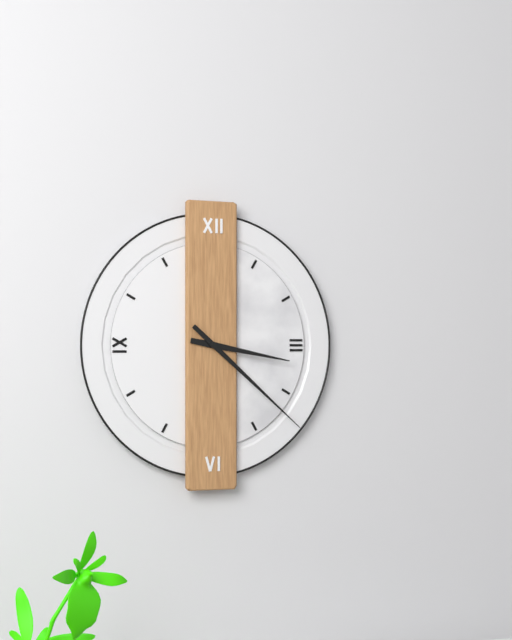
{"hour": 3, "minute": 22}
